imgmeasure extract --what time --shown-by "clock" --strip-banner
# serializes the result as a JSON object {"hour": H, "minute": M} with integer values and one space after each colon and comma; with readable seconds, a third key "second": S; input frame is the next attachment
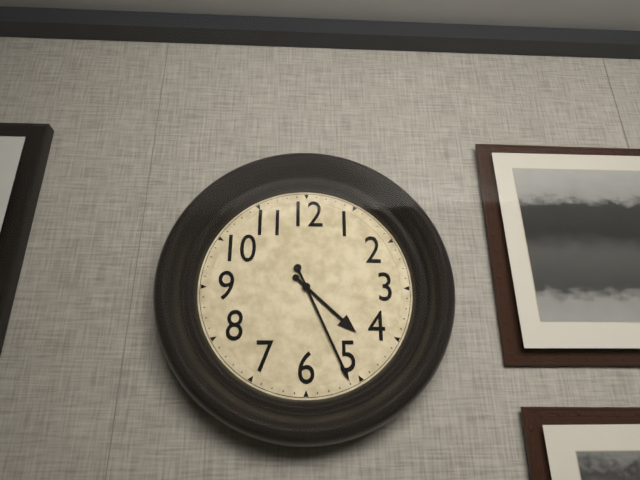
{"hour": 4, "minute": 26}
